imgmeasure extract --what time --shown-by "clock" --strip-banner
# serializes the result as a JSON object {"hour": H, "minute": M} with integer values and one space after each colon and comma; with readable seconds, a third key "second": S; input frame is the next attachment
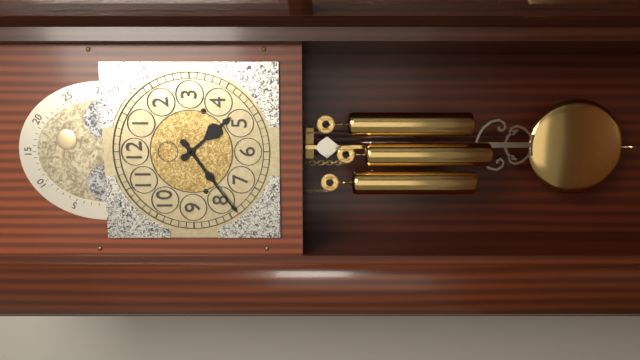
{"hour": 4, "minute": 39}
